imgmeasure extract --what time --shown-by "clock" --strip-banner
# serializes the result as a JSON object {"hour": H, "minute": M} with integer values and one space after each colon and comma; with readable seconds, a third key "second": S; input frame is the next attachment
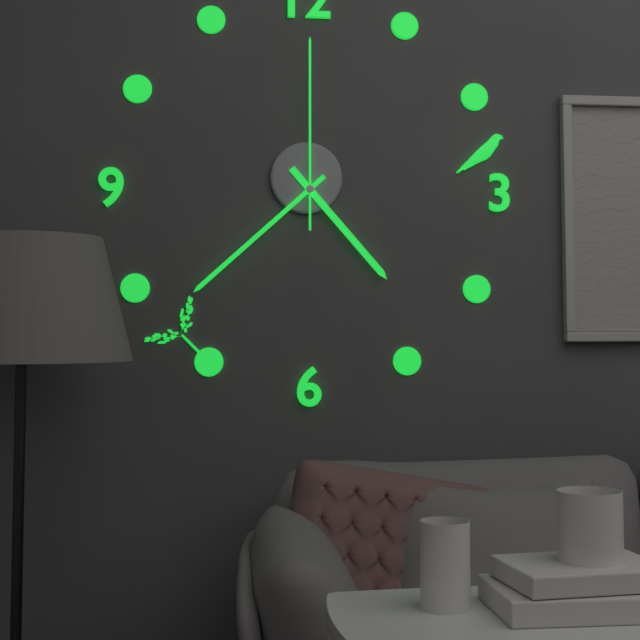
{"hour": 4, "minute": 38, "second": 0}
